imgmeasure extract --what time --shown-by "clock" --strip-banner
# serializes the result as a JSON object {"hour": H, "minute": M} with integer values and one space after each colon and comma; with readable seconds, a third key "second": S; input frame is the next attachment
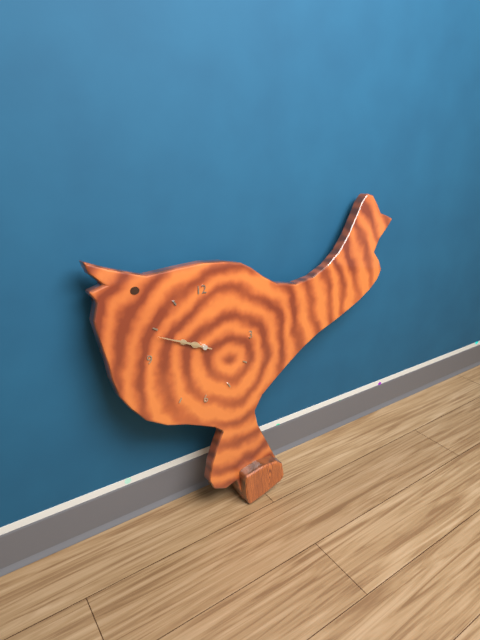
{"hour": 9, "minute": 49}
